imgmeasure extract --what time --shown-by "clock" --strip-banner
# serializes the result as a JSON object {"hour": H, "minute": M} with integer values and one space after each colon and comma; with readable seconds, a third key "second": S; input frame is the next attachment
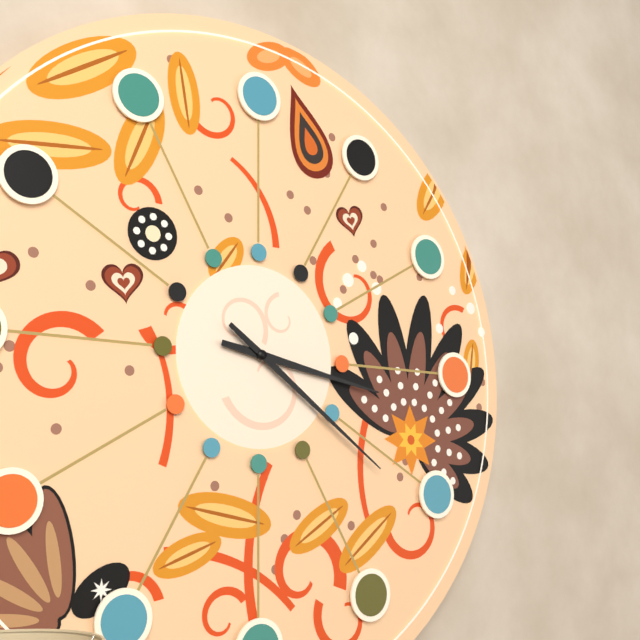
{"hour": 3, "minute": 21}
